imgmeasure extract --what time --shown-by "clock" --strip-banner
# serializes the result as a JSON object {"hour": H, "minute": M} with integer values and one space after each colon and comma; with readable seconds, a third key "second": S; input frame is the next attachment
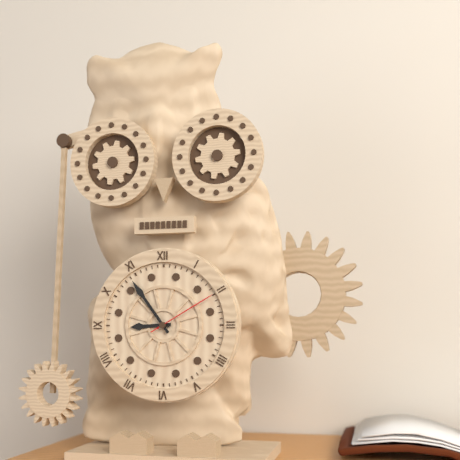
{"hour": 8, "minute": 54, "second": 10}
